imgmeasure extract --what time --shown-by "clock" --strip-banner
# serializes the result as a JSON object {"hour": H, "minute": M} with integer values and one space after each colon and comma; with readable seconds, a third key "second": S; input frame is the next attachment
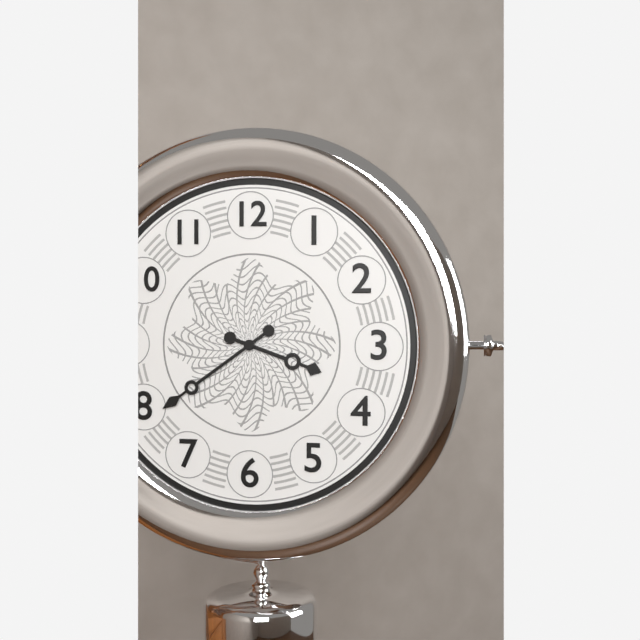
{"hour": 3, "minute": 39}
